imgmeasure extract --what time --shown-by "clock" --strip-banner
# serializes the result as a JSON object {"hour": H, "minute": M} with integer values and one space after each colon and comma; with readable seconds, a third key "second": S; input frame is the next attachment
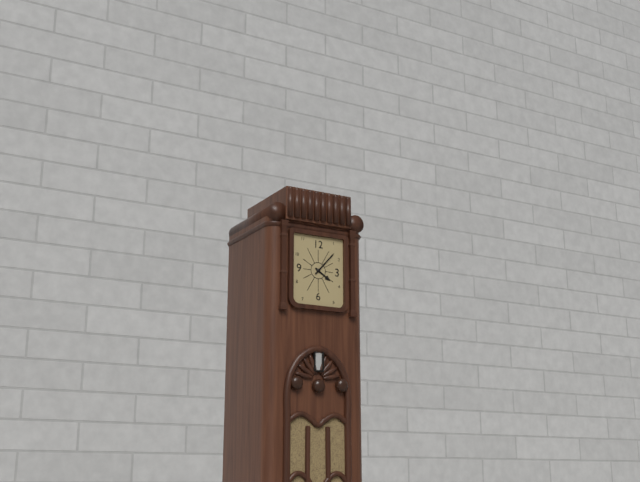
{"hour": 4, "minute": 7}
